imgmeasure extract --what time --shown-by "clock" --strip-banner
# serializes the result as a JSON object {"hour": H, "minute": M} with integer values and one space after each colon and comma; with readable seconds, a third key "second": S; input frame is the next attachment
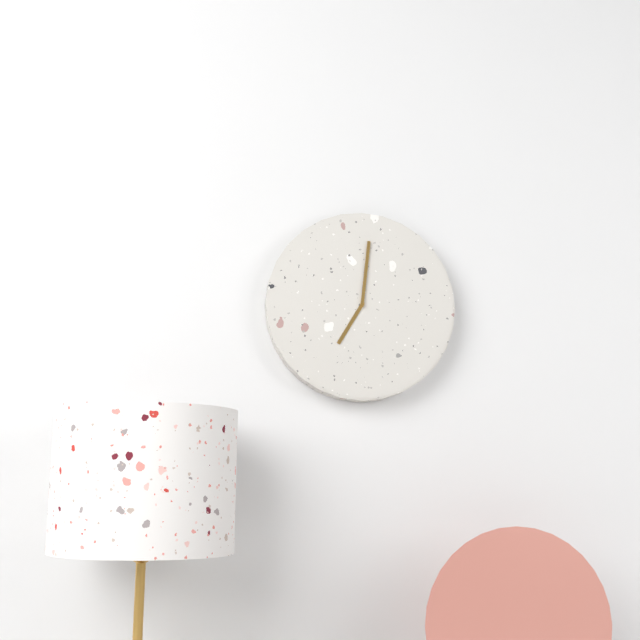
{"hour": 7, "minute": 1}
